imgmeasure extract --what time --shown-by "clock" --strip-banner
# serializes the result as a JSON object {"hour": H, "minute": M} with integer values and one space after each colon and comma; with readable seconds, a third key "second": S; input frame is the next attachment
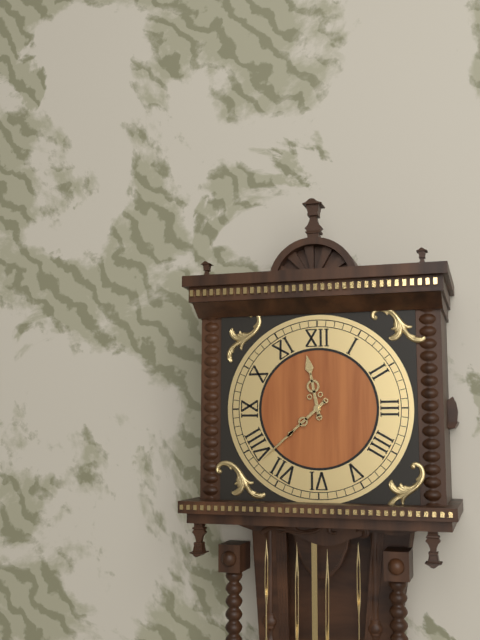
{"hour": 11, "minute": 38}
